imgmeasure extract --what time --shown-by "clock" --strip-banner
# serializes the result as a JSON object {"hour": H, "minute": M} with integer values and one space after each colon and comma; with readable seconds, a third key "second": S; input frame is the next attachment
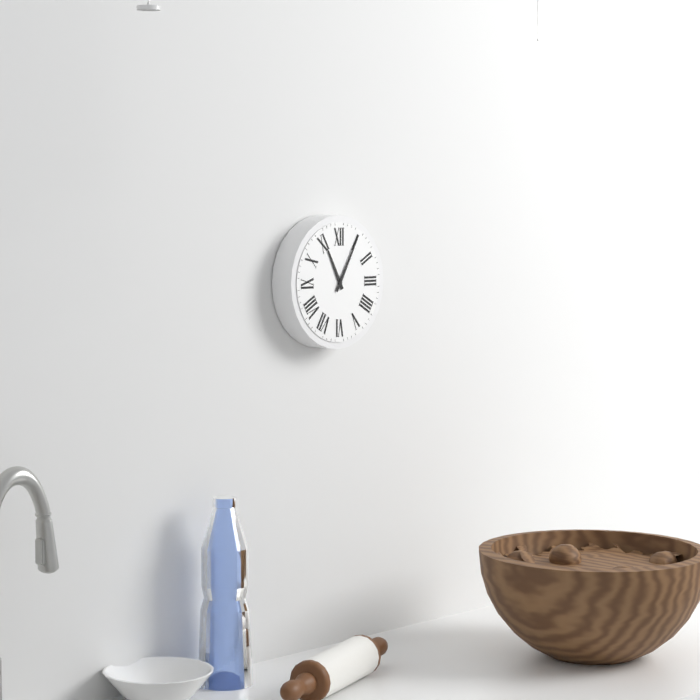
{"hour": 11, "minute": 5}
